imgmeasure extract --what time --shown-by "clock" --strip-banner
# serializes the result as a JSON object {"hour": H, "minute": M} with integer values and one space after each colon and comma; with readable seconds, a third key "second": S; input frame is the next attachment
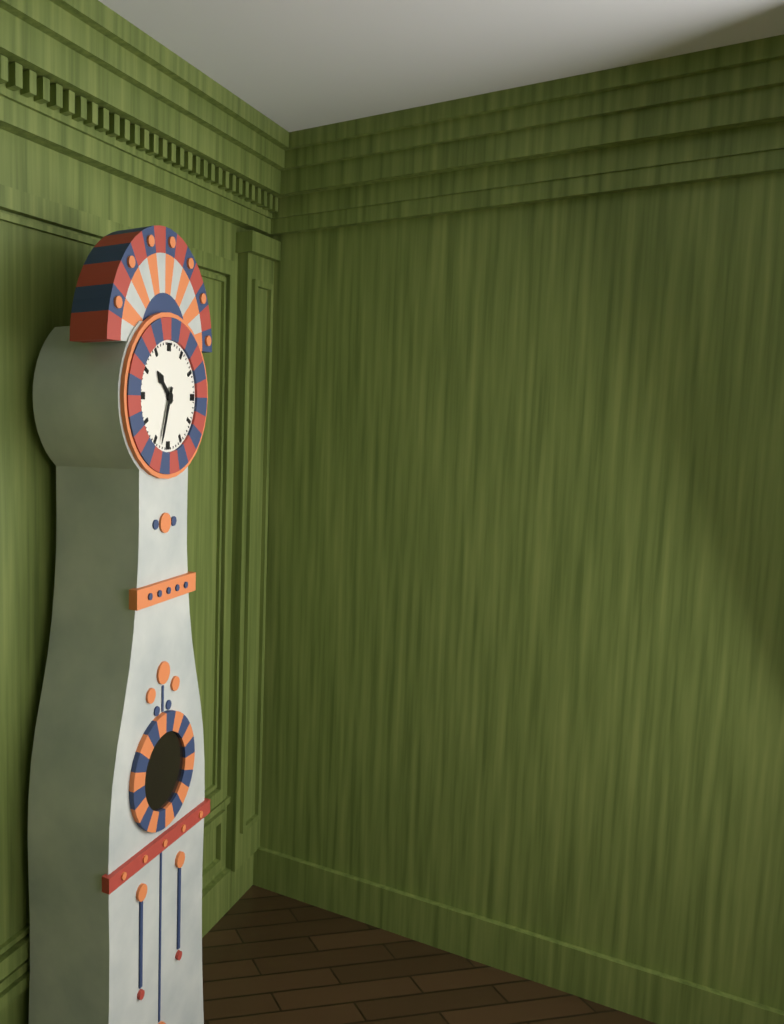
{"hour": 10, "minute": 33}
